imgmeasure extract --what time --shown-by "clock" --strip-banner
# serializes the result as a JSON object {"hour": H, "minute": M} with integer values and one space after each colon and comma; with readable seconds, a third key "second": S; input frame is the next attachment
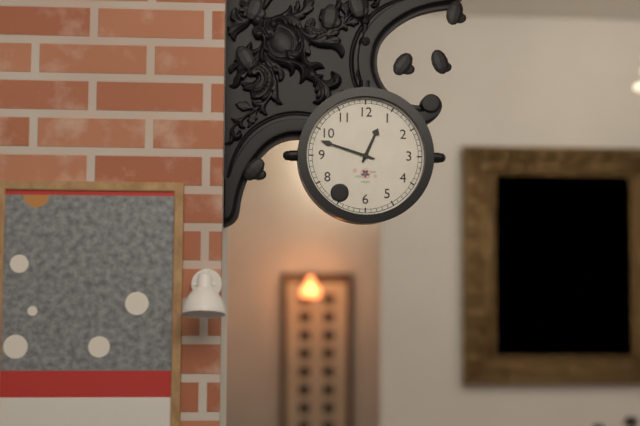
{"hour": 12, "minute": 48}
